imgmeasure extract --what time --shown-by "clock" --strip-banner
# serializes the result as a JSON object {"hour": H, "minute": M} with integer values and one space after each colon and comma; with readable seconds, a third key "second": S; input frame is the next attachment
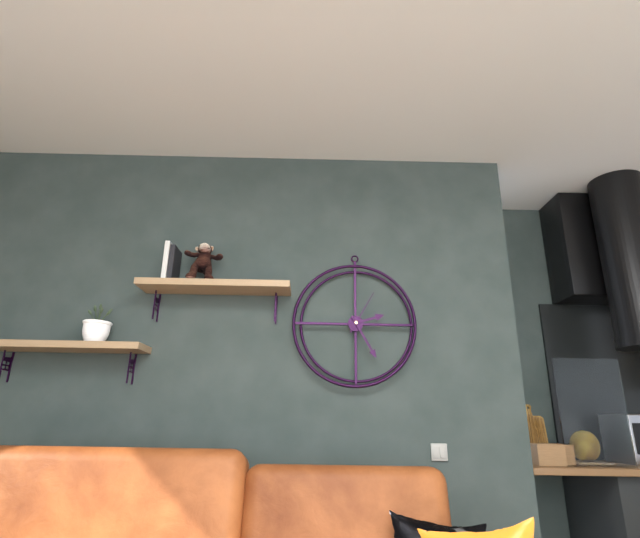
{"hour": 2, "minute": 25}
